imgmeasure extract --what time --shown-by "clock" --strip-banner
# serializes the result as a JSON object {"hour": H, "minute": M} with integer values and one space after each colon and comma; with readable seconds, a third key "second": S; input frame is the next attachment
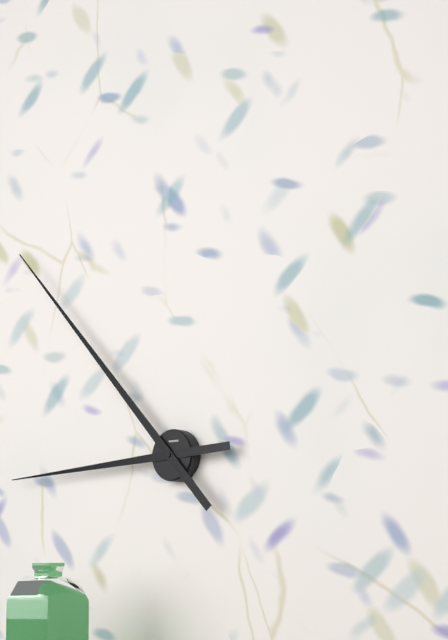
{"hour": 8, "minute": 53}
